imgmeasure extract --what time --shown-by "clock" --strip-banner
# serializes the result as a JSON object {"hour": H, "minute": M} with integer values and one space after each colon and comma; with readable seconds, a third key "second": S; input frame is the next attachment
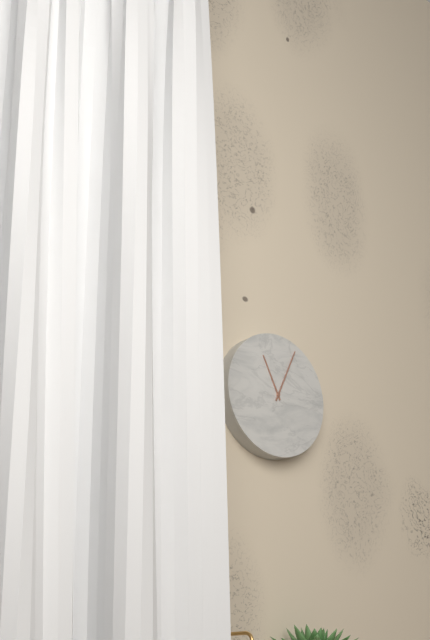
{"hour": 11, "minute": 4}
